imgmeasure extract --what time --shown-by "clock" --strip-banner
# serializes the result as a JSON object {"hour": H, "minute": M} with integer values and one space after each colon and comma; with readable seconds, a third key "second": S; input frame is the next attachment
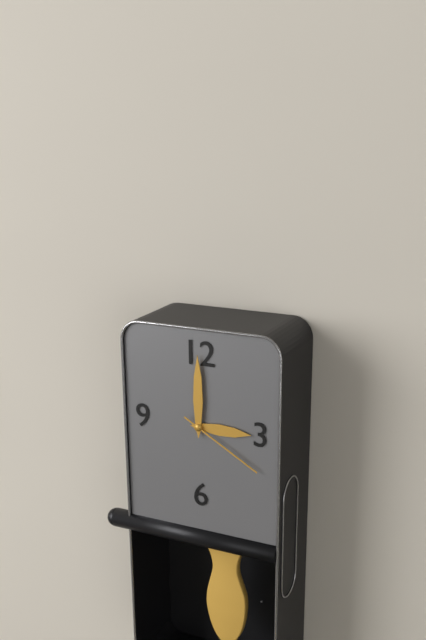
{"hour": 3, "minute": 0, "second": 20}
